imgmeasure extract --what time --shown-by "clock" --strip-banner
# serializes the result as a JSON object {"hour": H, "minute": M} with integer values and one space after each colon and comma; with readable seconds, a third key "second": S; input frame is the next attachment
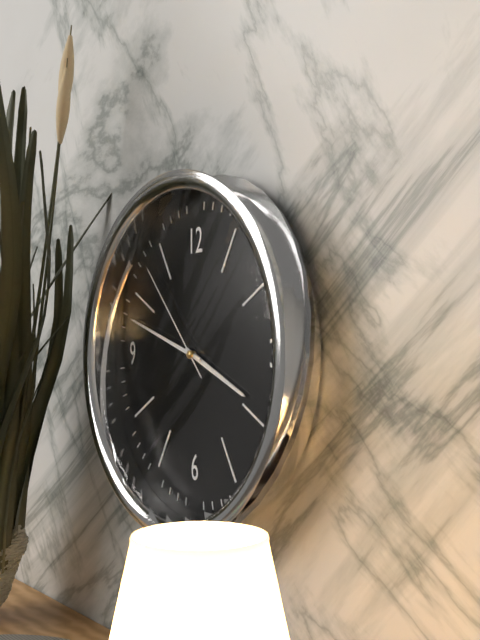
{"hour": 3, "minute": 48, "second": 53}
